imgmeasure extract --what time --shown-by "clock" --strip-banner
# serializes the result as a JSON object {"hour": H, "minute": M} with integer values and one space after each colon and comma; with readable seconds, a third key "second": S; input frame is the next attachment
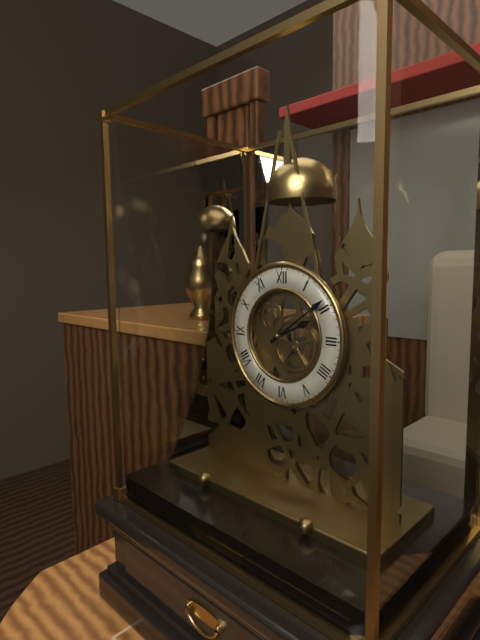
{"hour": 2, "minute": 9}
